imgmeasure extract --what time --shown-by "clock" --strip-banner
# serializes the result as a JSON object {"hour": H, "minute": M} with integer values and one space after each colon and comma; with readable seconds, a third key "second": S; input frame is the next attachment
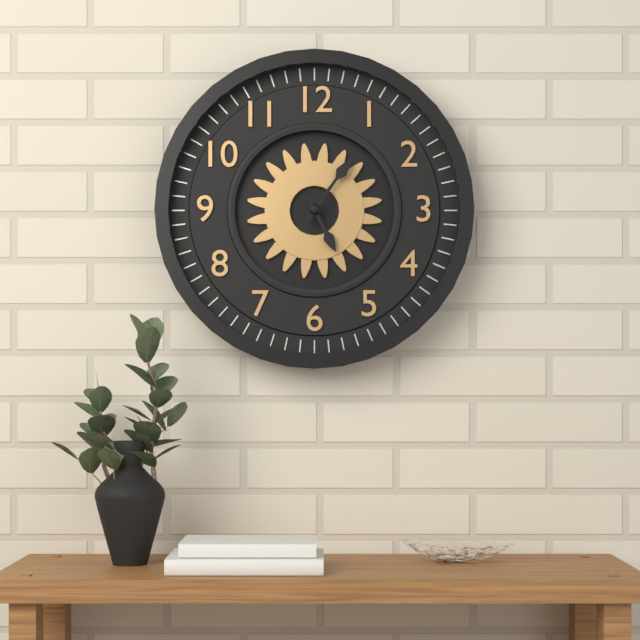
{"hour": 5, "minute": 6}
